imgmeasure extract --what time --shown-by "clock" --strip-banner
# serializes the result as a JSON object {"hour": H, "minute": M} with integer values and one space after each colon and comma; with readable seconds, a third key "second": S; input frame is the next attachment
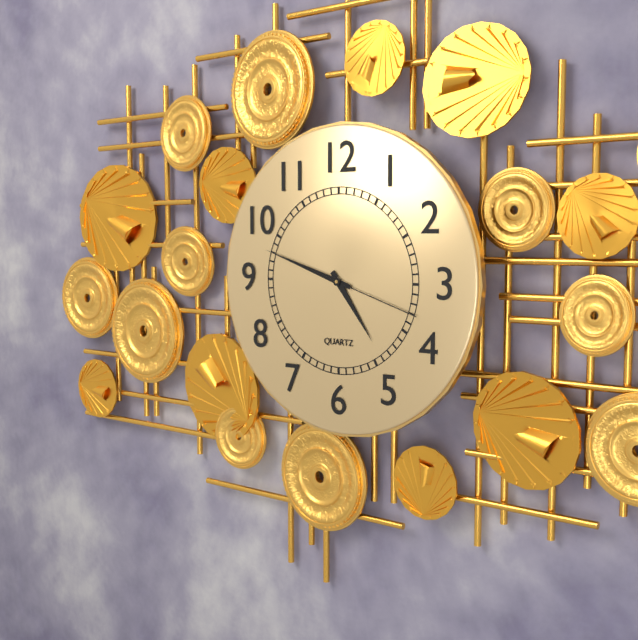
{"hour": 4, "minute": 48, "second": 18}
